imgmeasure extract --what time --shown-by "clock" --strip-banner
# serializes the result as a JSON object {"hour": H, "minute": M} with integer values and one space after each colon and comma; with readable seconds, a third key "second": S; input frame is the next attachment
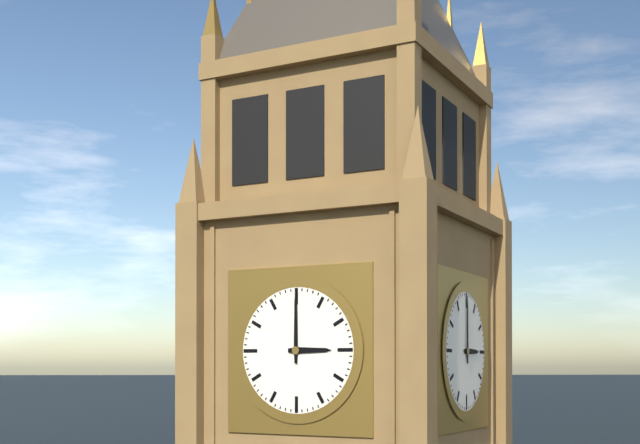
{"hour": 3, "minute": 0}
